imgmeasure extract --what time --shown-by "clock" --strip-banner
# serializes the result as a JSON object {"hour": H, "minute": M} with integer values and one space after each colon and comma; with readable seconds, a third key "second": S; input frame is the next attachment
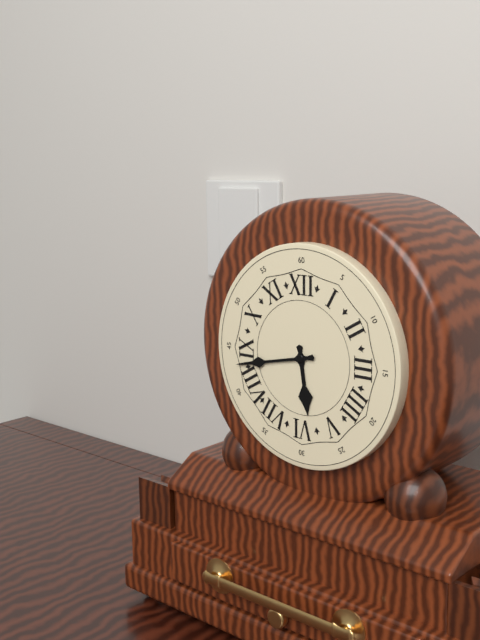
{"hour": 5, "minute": 43}
